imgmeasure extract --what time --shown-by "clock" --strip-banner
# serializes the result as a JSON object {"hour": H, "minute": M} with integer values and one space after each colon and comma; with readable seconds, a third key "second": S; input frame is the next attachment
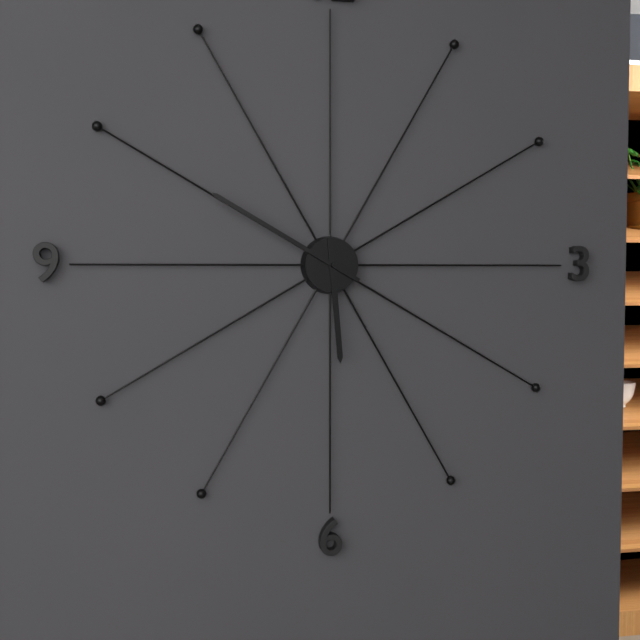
{"hour": 5, "minute": 50}
